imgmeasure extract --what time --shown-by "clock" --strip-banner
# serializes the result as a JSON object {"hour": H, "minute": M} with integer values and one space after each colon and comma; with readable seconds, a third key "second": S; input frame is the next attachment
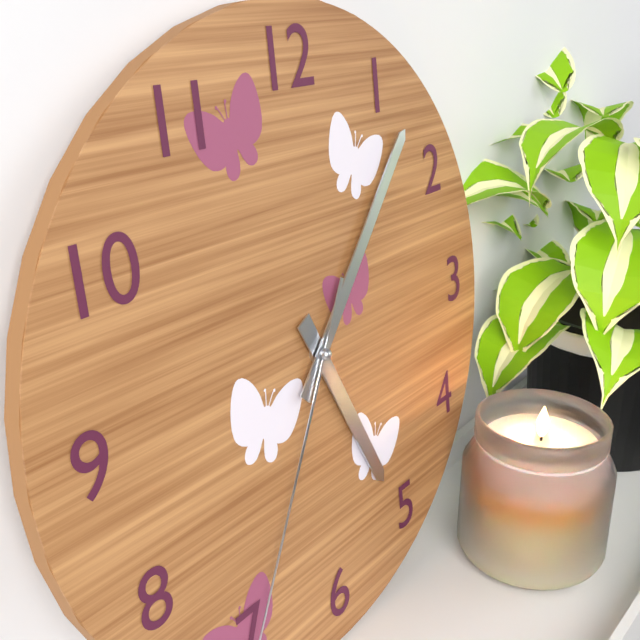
{"hour": 5, "minute": 7}
